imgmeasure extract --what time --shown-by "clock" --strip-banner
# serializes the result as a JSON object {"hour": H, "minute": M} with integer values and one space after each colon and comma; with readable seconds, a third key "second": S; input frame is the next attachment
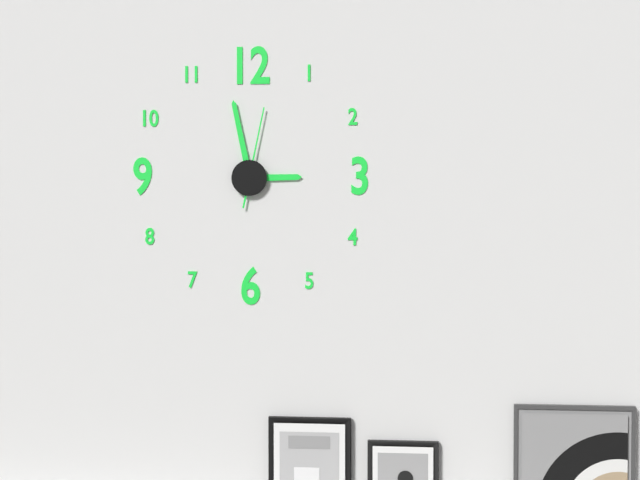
{"hour": 2, "minute": 58, "second": 2}
